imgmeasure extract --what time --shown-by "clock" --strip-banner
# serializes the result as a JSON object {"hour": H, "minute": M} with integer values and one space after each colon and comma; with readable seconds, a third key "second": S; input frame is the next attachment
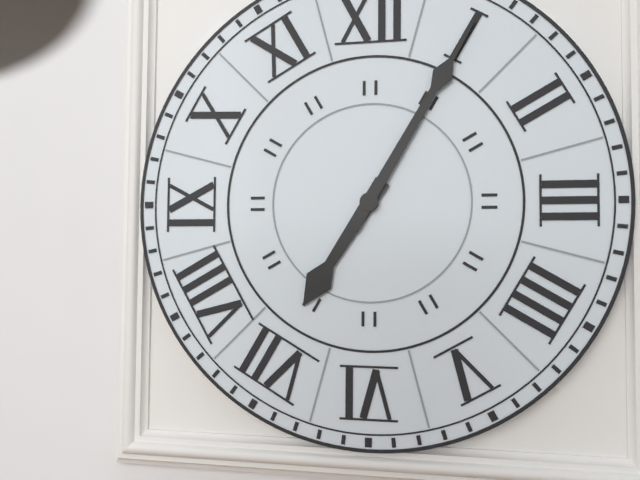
{"hour": 7, "minute": 5}
